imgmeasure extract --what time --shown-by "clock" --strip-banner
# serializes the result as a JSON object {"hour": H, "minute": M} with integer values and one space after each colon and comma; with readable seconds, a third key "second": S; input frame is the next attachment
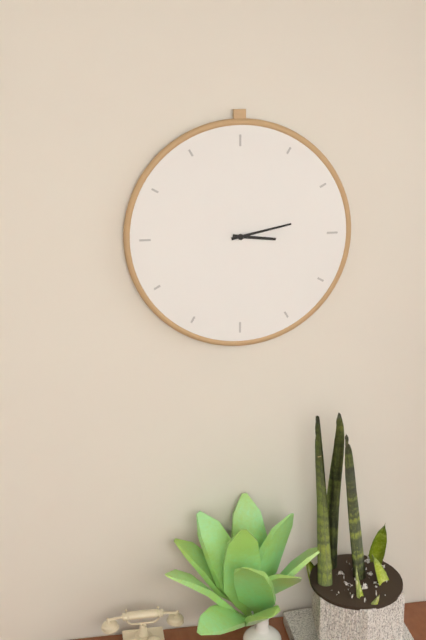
{"hour": 3, "minute": 13}
